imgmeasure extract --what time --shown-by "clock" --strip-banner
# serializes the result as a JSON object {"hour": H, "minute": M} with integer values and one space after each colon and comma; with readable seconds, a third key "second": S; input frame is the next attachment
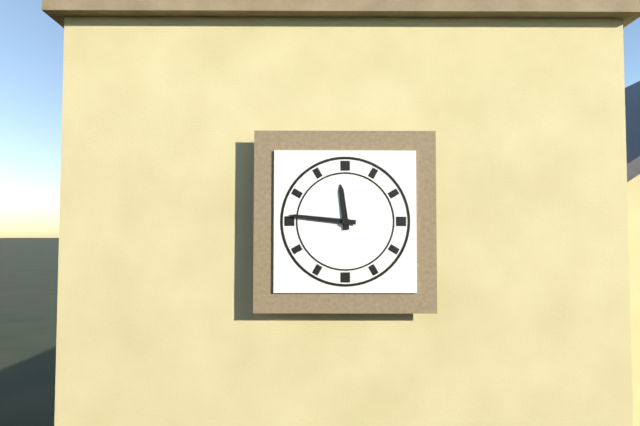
{"hour": 11, "minute": 46}
